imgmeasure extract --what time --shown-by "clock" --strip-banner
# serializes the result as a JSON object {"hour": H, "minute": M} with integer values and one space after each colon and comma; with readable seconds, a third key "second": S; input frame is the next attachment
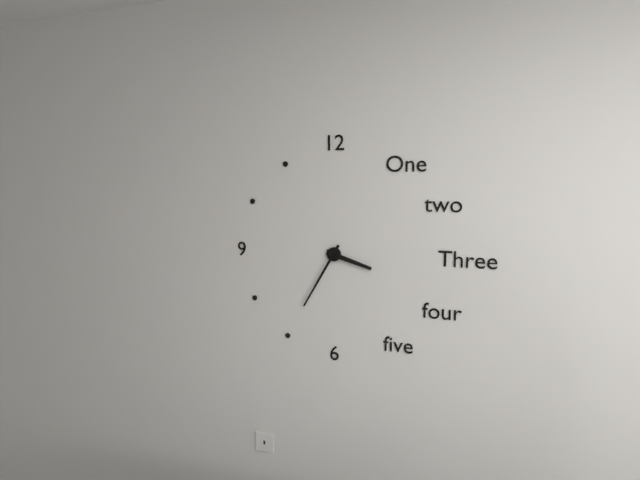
{"hour": 3, "minute": 35}
